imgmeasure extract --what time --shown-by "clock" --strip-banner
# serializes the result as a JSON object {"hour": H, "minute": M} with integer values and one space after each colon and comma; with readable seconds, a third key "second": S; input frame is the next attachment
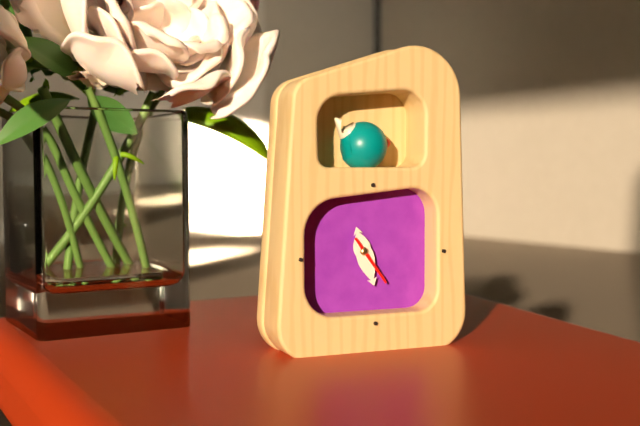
{"hour": 11, "minute": 27}
